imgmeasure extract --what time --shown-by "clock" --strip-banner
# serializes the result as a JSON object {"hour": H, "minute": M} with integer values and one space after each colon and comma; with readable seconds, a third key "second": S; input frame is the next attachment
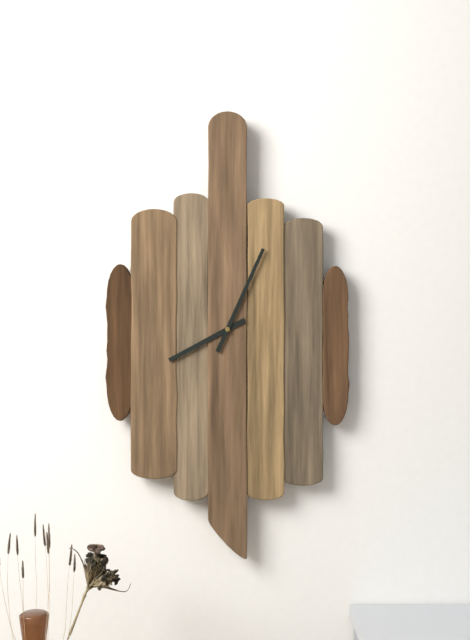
{"hour": 8, "minute": 4}
